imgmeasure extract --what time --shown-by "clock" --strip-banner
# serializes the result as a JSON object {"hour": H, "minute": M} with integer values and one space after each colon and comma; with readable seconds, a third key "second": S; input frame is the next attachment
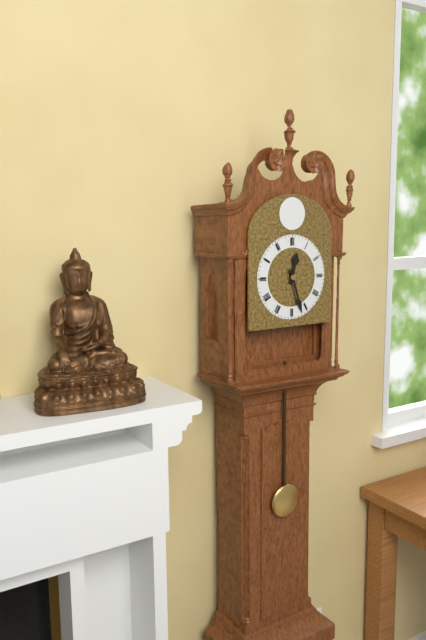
{"hour": 12, "minute": 27}
